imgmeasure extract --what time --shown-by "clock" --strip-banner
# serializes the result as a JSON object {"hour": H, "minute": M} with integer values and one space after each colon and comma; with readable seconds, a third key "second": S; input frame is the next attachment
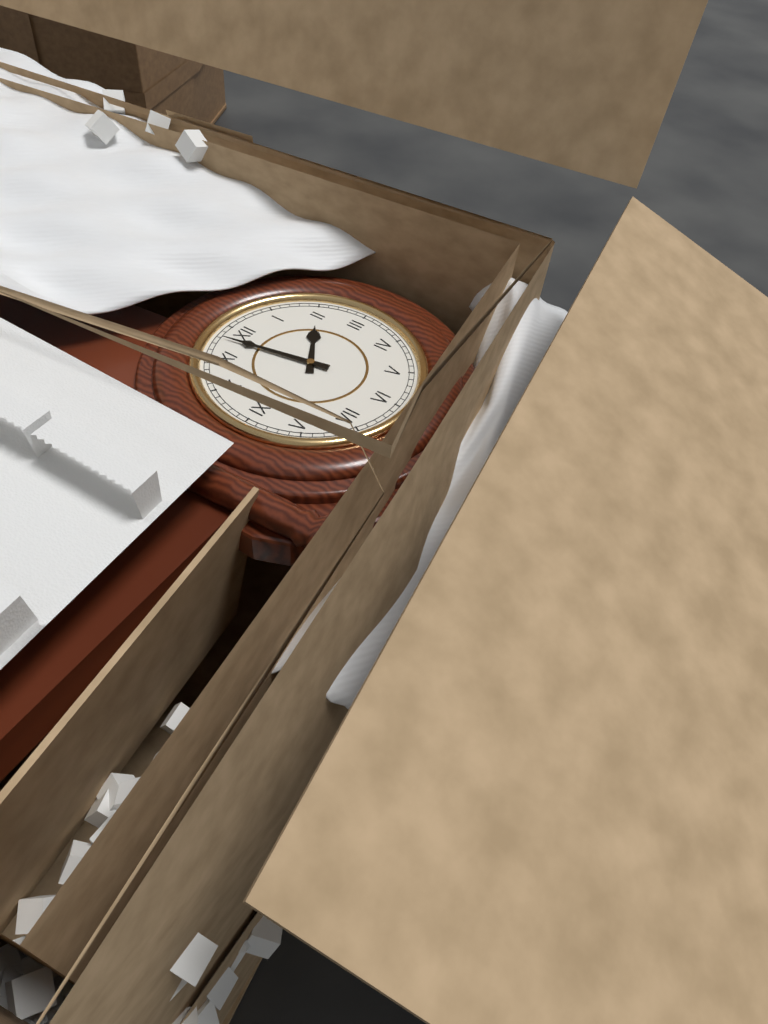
{"hour": 1, "minute": 58}
